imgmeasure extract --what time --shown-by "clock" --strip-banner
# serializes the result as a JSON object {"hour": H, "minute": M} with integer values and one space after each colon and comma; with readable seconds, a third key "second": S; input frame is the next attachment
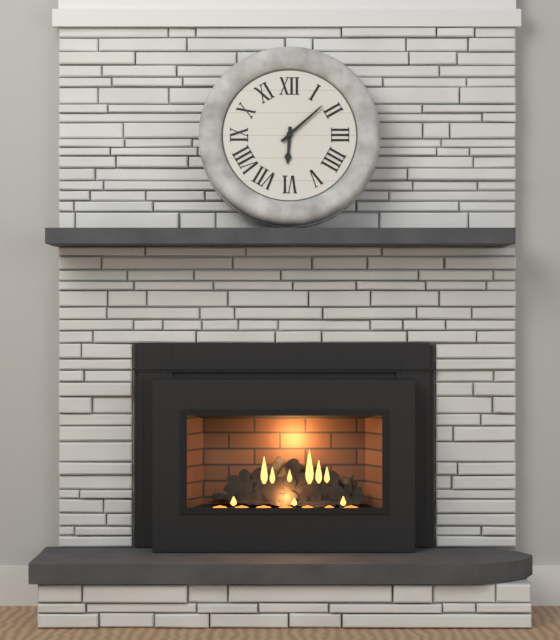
{"hour": 6, "minute": 8}
